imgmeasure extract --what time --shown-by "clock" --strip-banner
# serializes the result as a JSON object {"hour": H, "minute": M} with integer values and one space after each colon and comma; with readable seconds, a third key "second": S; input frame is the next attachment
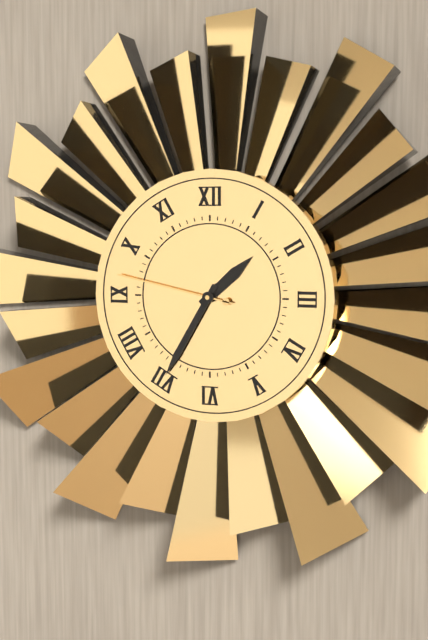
{"hour": 1, "minute": 35, "second": 47}
